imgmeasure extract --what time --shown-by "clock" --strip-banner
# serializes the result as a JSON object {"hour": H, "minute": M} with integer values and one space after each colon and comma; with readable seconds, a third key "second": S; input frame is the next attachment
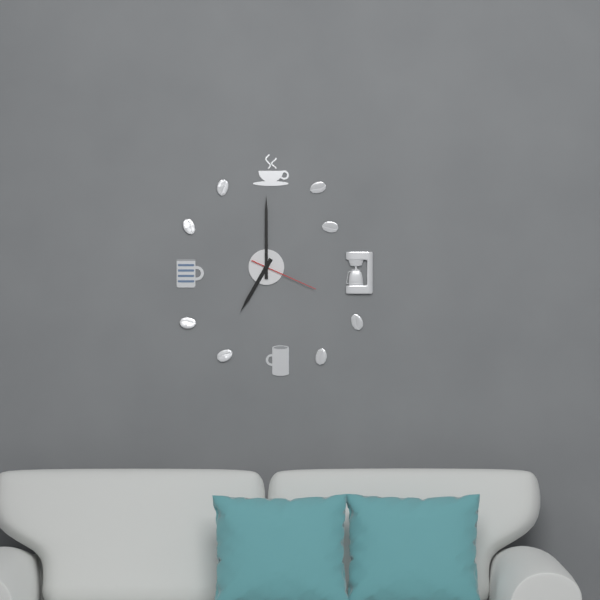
{"hour": 7, "minute": 0, "second": 19}
